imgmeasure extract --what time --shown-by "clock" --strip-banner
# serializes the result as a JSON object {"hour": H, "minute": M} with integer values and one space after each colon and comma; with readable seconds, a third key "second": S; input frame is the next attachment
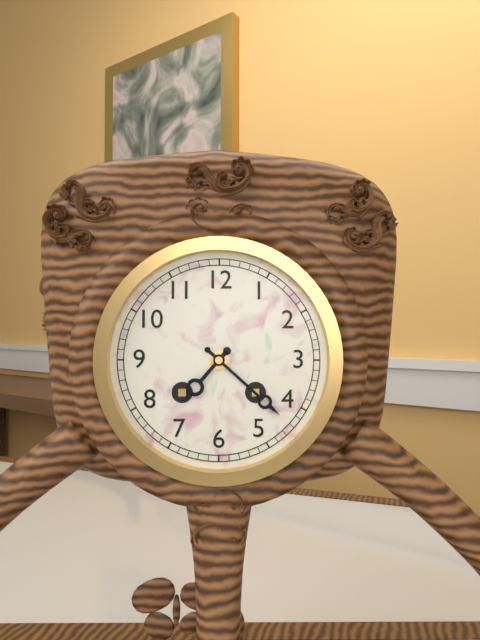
{"hour": 7, "minute": 22}
